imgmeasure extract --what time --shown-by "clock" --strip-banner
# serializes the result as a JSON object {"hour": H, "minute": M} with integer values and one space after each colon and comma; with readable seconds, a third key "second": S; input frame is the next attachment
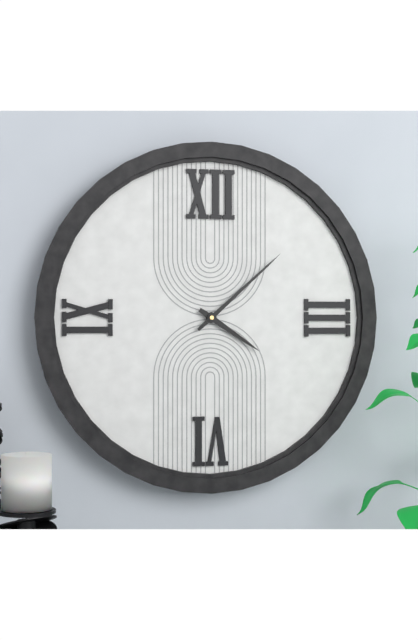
{"hour": 4, "minute": 8}
